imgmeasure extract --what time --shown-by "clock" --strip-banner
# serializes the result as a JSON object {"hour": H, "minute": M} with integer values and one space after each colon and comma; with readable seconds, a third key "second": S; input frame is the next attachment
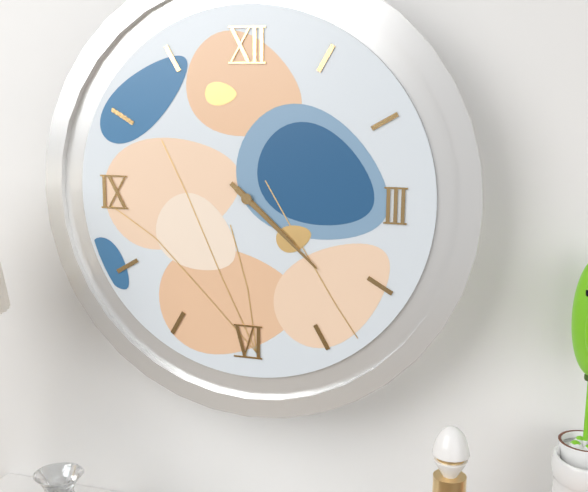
{"hour": 4, "minute": 22}
